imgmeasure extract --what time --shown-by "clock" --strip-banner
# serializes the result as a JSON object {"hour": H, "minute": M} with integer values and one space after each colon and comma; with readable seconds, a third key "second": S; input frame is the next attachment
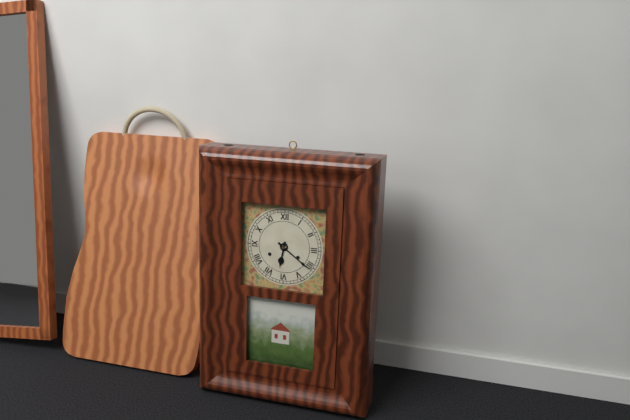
{"hour": 6, "minute": 21}
